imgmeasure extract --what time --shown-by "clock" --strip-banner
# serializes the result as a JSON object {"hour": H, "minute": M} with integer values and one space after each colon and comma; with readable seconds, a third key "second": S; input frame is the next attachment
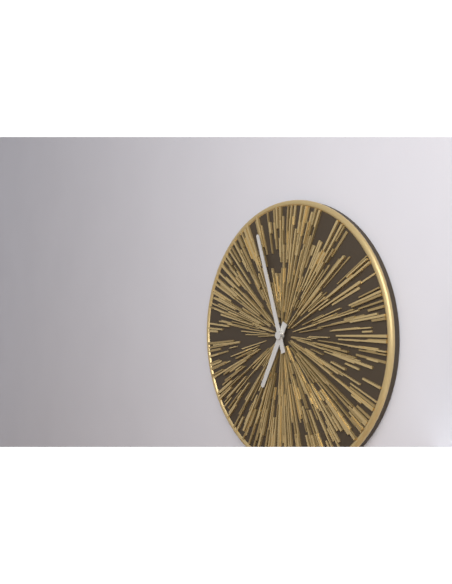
{"hour": 6, "minute": 57}
